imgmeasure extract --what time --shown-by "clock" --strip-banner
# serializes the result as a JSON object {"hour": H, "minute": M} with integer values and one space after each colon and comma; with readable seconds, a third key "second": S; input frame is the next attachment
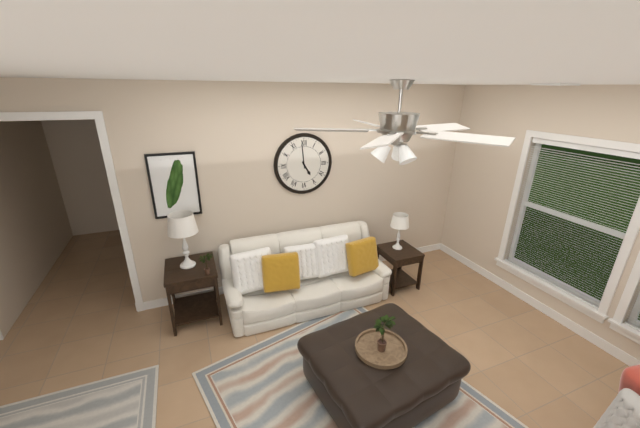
{"hour": 4, "minute": 59}
